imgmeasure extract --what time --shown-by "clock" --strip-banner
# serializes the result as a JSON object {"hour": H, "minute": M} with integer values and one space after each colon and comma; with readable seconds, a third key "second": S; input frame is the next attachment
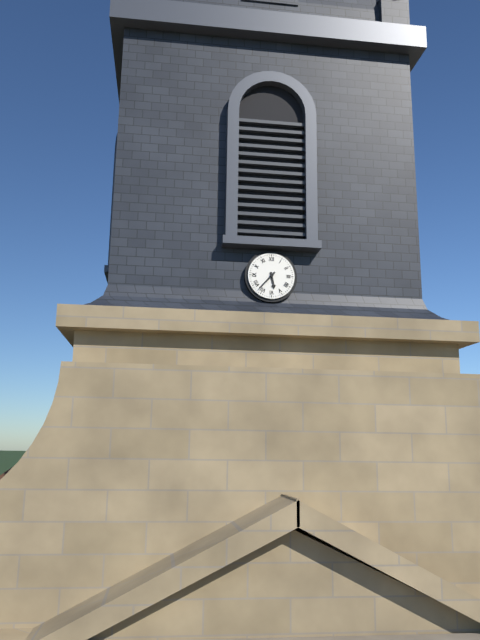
{"hour": 5, "minute": 37}
